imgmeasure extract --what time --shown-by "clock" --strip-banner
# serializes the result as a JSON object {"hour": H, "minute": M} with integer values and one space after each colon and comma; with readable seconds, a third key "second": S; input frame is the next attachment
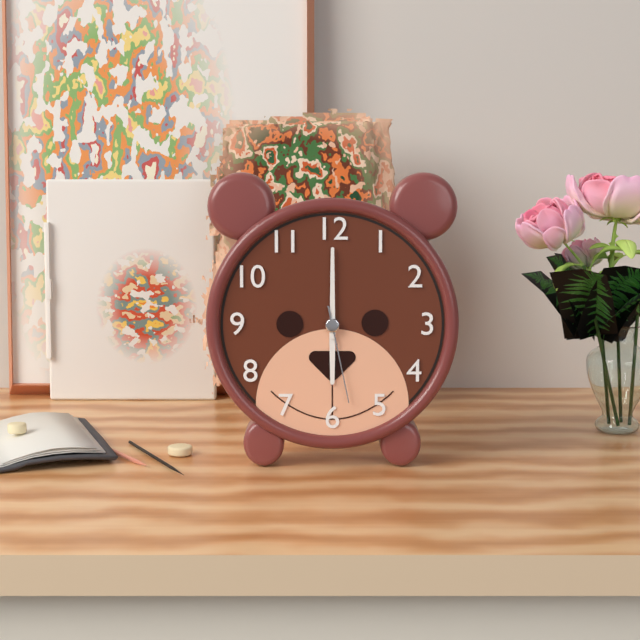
{"hour": 6, "minute": 0, "second": 28}
